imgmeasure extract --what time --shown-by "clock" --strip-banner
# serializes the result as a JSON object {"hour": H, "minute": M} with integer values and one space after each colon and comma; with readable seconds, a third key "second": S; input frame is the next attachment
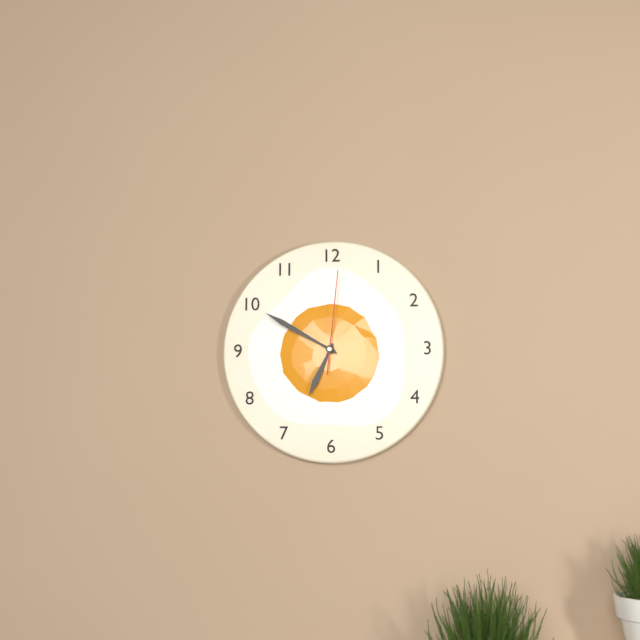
{"hour": 6, "minute": 50, "second": 1}
